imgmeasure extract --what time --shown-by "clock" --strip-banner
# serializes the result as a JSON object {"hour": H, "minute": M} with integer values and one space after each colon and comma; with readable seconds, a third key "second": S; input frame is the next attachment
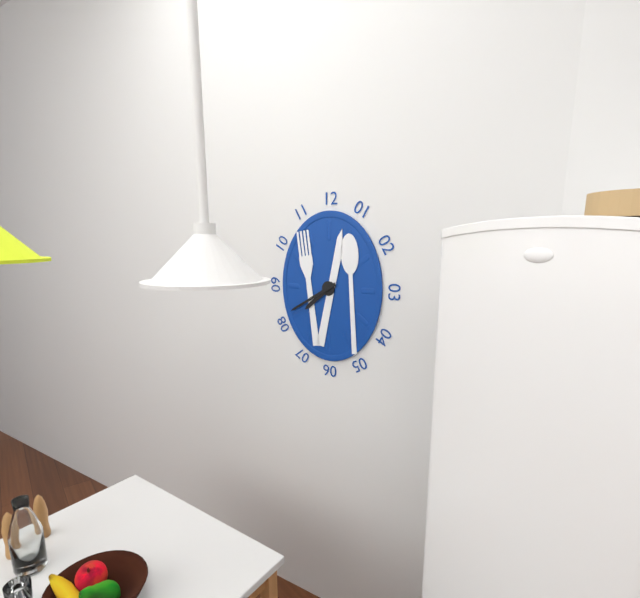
{"hour": 7, "minute": 40}
